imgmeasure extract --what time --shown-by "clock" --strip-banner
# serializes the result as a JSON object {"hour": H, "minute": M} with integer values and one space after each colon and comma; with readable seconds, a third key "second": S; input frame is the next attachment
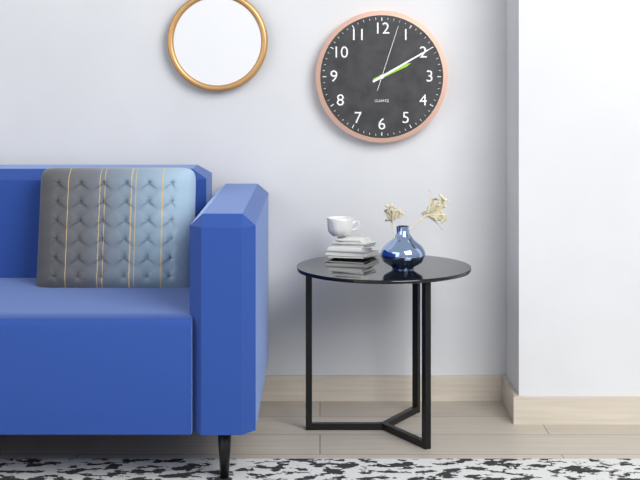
{"hour": 2, "minute": 10, "second": 3}
